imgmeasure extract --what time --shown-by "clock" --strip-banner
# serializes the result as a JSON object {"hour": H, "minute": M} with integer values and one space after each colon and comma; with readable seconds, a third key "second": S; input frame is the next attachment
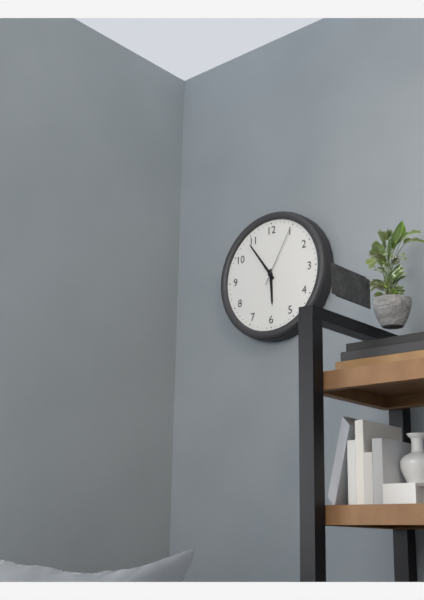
{"hour": 5, "minute": 54, "second": 5}
